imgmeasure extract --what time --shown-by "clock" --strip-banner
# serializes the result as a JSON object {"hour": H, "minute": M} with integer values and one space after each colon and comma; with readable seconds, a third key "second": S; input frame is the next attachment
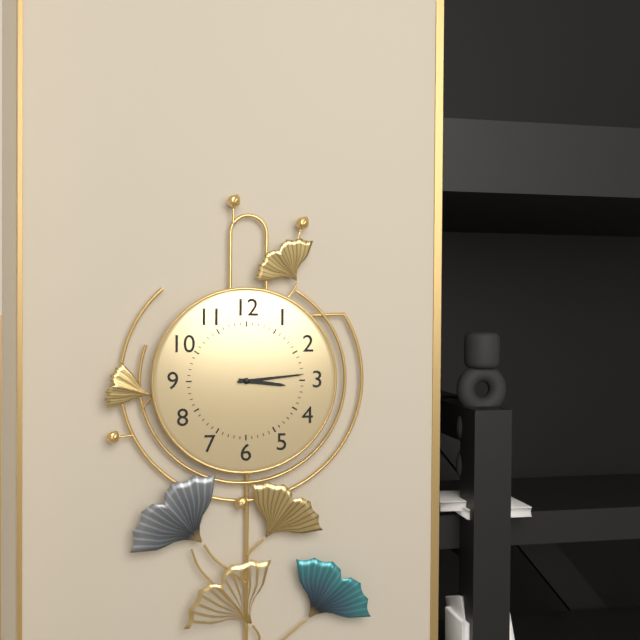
{"hour": 3, "minute": 14}
